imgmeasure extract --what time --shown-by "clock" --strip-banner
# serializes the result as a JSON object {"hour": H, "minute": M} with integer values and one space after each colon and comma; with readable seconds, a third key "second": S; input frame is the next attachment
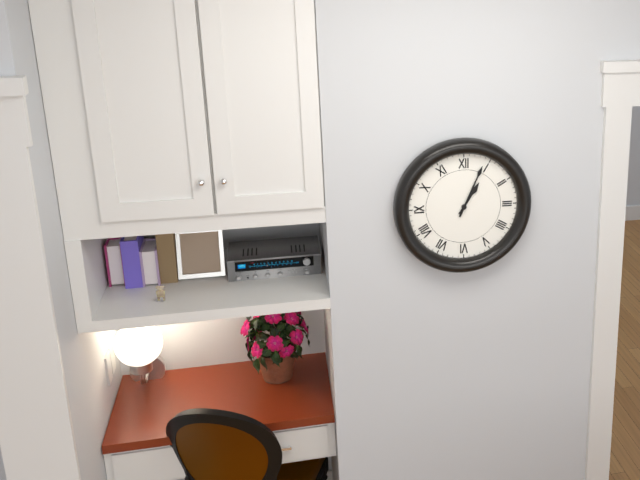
{"hour": 1, "minute": 4}
